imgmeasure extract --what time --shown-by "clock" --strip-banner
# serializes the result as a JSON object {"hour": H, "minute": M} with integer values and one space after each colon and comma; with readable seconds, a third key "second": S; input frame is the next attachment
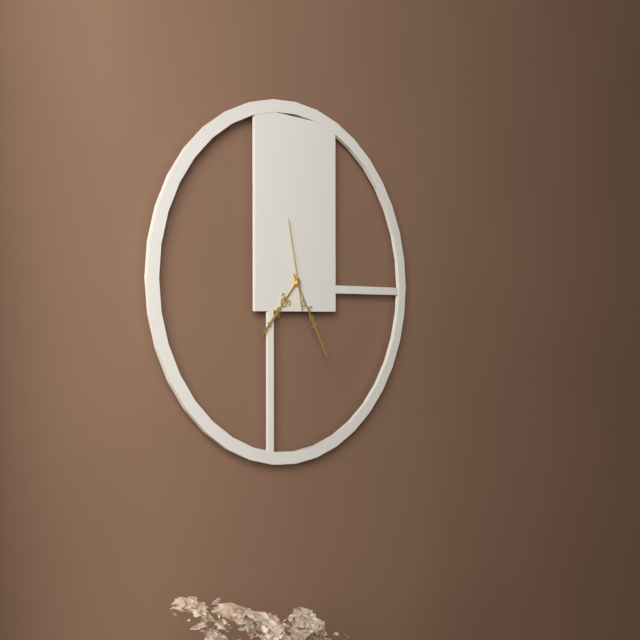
{"hour": 7, "minute": 25, "second": 58}
